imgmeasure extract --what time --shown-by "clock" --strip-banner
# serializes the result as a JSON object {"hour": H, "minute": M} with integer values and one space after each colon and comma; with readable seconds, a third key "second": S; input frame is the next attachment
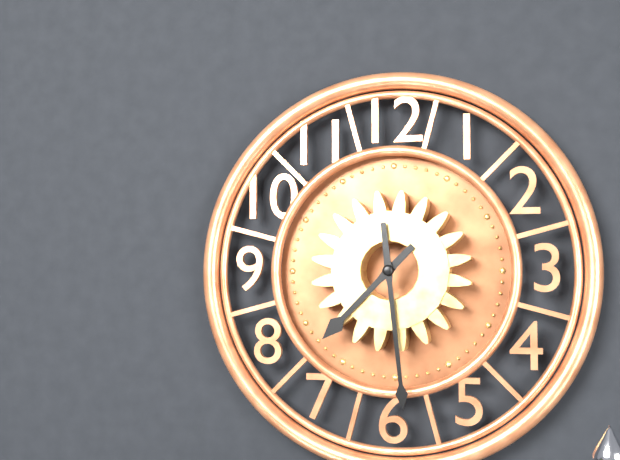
{"hour": 7, "minute": 29}
